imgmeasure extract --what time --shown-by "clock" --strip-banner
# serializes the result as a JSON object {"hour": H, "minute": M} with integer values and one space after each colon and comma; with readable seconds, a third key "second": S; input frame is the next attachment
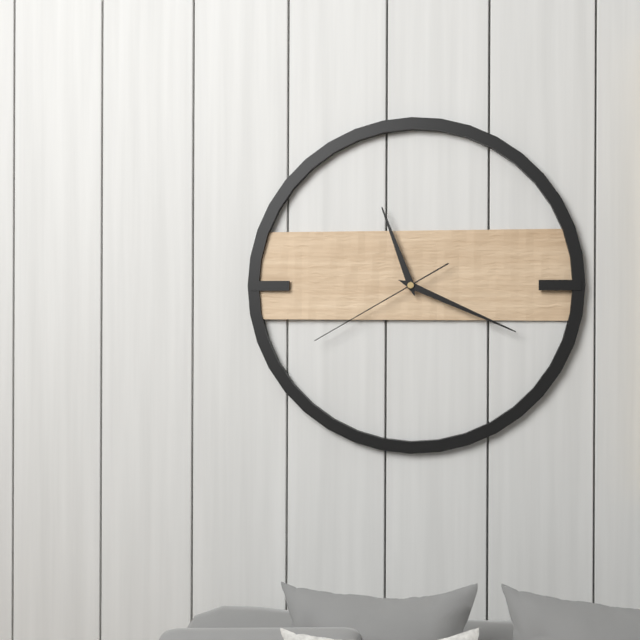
{"hour": 11, "minute": 19, "second": 40}
